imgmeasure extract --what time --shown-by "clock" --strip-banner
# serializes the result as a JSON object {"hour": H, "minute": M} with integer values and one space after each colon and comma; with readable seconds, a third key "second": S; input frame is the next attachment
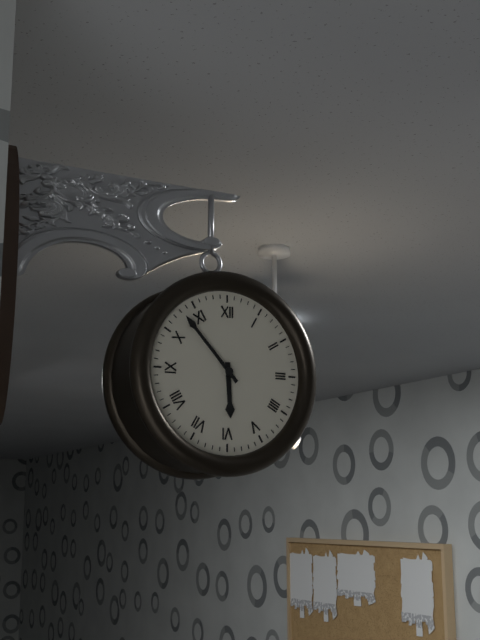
{"hour": 5, "minute": 53}
